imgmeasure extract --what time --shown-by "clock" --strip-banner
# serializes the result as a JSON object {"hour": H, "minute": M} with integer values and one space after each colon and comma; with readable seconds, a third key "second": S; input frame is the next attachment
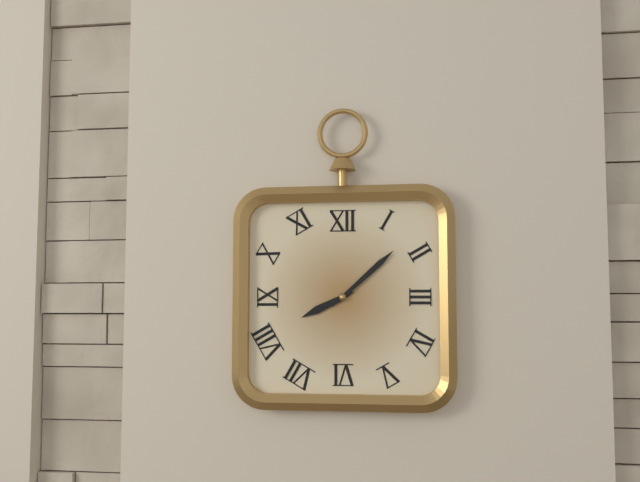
{"hour": 8, "minute": 8}
